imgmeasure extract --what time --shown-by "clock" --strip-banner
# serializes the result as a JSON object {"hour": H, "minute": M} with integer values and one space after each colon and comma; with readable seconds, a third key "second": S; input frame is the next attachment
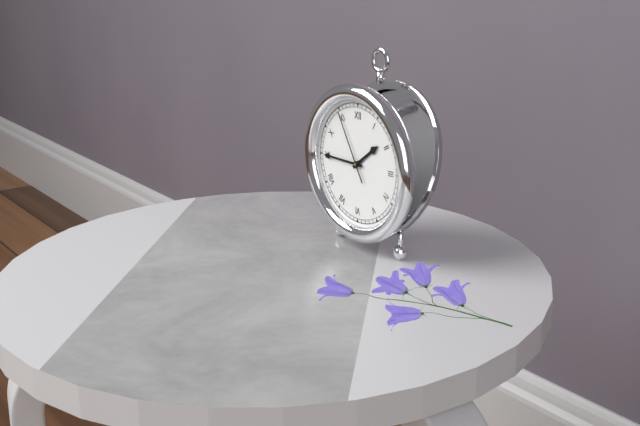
{"hour": 1, "minute": 45, "second": 55}
